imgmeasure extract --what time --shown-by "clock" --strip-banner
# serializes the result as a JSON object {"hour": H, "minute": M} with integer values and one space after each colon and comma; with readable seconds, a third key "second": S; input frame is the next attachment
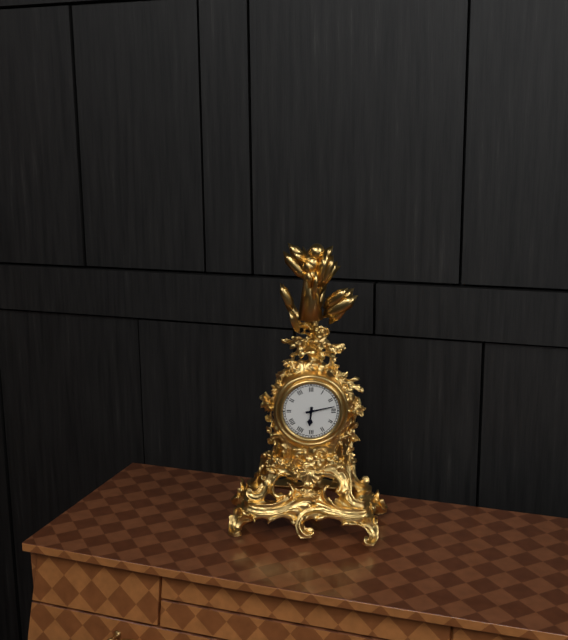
{"hour": 6, "minute": 13}
